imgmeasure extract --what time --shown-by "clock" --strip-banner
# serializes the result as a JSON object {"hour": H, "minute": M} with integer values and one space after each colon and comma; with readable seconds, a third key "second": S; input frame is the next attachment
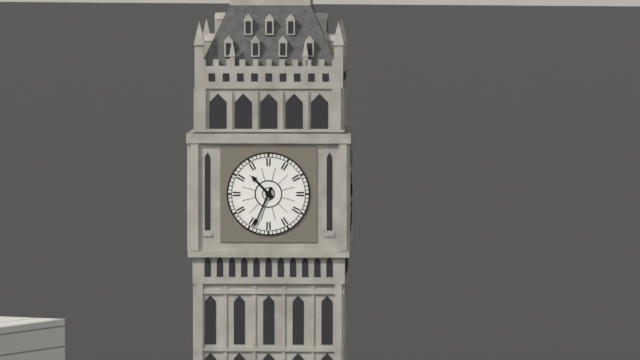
{"hour": 10, "minute": 34}
